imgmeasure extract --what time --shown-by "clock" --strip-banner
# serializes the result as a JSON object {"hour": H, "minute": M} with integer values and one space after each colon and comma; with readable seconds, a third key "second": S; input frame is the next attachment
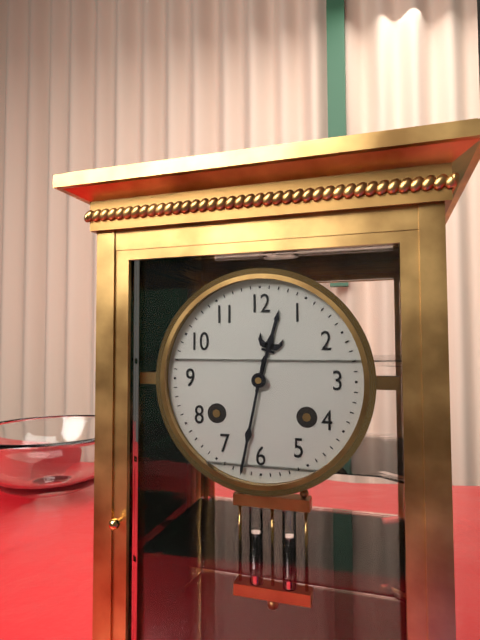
{"hour": 12, "minute": 32}
